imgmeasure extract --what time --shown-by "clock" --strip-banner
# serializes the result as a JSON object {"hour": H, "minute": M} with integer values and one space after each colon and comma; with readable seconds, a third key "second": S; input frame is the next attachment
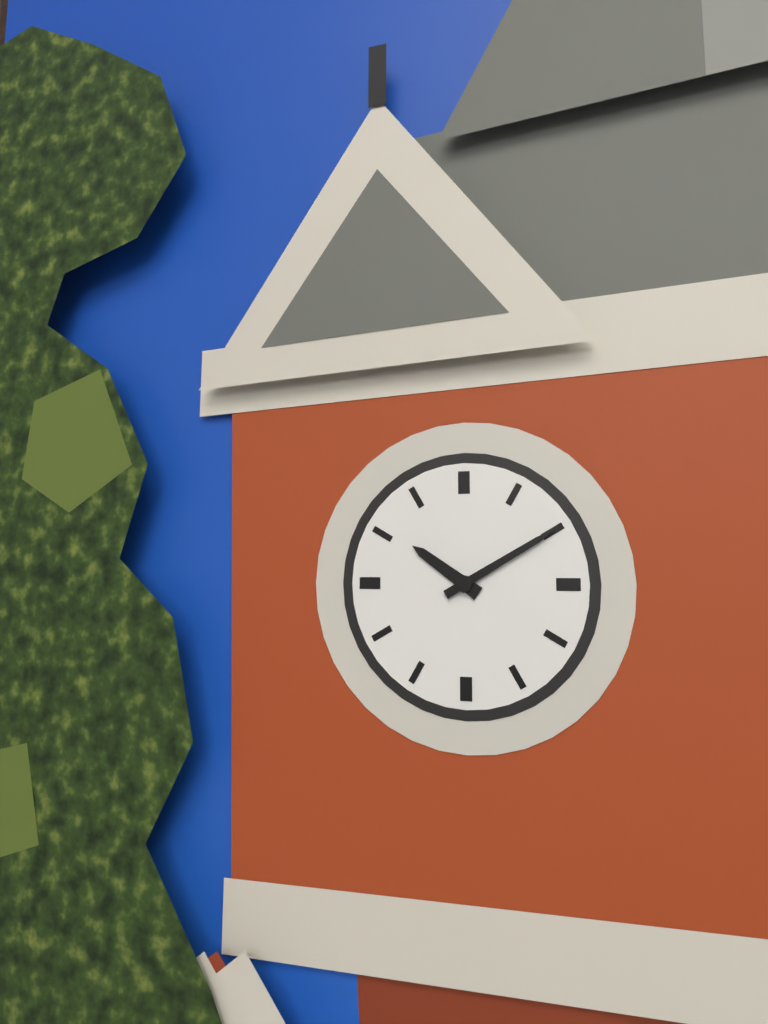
{"hour": 10, "minute": 10}
